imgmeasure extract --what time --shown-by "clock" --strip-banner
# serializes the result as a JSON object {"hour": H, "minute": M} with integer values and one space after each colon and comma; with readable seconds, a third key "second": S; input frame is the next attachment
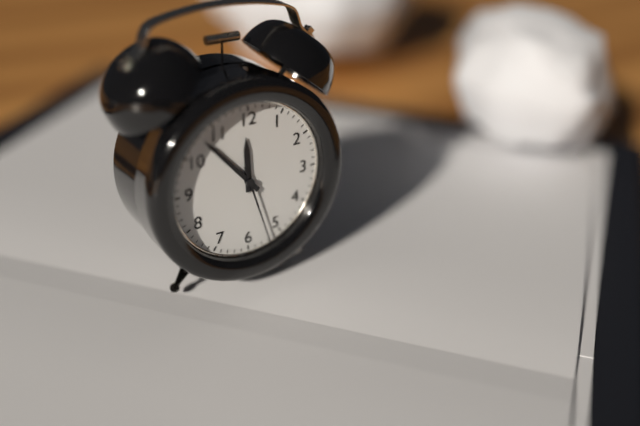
{"hour": 11, "minute": 53, "second": 27}
